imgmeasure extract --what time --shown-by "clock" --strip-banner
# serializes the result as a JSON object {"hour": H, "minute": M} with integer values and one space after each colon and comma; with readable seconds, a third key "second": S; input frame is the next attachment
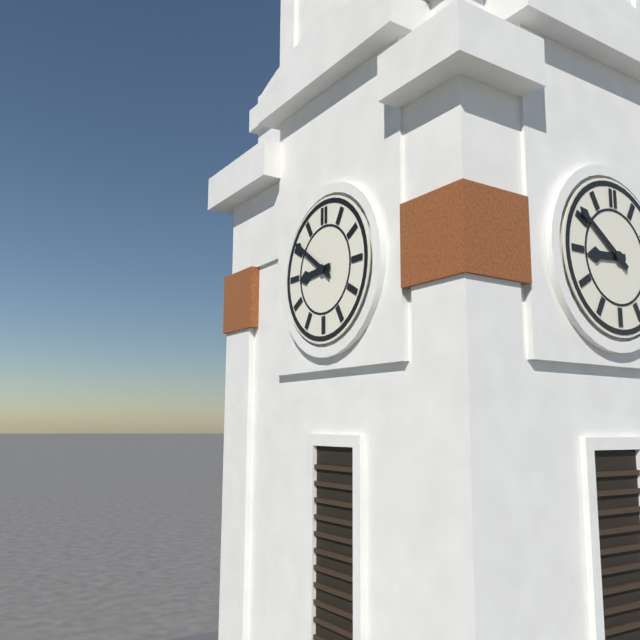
{"hour": 8, "minute": 51}
